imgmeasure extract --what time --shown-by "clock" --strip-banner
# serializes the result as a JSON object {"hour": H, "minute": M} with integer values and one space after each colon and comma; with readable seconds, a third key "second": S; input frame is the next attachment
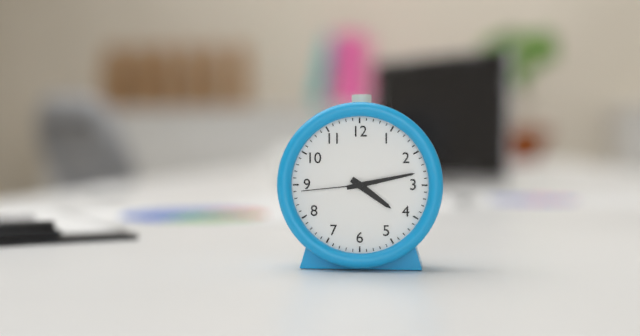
{"hour": 4, "minute": 13, "second": 44}
